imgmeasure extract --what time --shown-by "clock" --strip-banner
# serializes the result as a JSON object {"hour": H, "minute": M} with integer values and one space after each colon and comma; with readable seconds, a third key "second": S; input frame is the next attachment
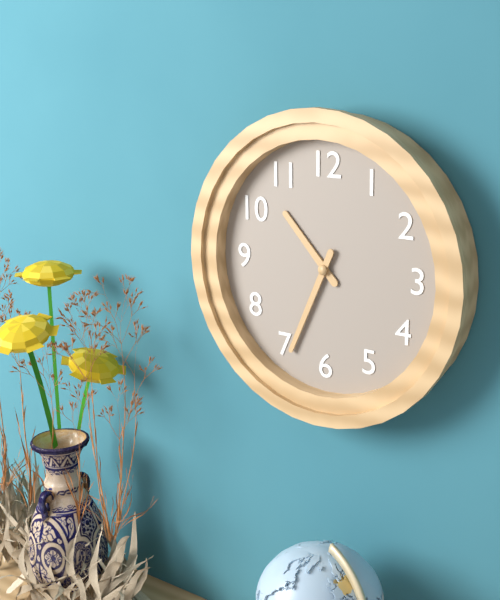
{"hour": 10, "minute": 34}
